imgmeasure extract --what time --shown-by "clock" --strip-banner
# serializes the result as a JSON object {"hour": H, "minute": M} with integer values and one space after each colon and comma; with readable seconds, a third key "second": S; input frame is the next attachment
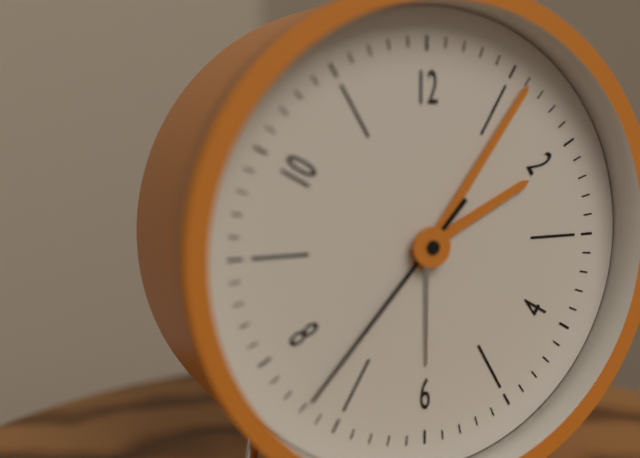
{"hour": 2, "minute": 6, "second": 37}
